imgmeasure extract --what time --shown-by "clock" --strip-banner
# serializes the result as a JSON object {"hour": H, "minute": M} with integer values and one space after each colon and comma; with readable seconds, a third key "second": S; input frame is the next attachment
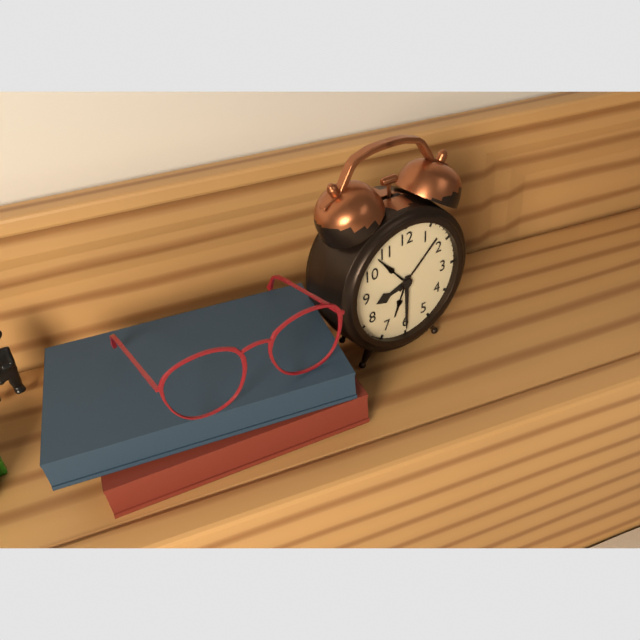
{"hour": 8, "minute": 30}
